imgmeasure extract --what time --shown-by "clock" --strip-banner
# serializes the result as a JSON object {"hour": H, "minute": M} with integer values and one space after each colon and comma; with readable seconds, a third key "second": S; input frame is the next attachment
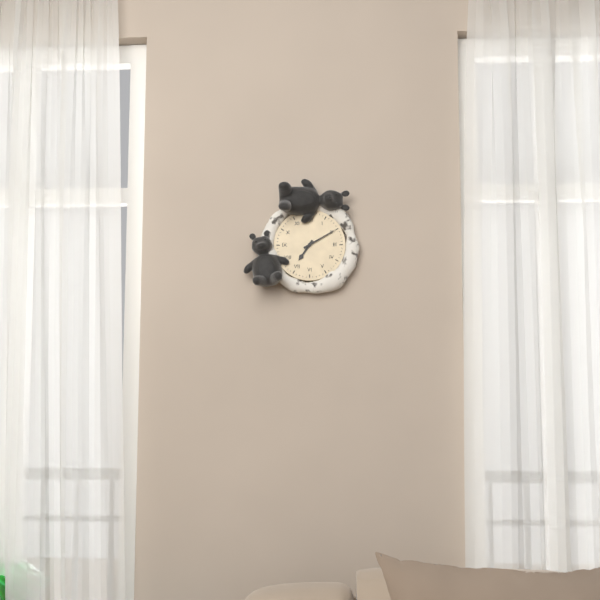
{"hour": 7, "minute": 10}
